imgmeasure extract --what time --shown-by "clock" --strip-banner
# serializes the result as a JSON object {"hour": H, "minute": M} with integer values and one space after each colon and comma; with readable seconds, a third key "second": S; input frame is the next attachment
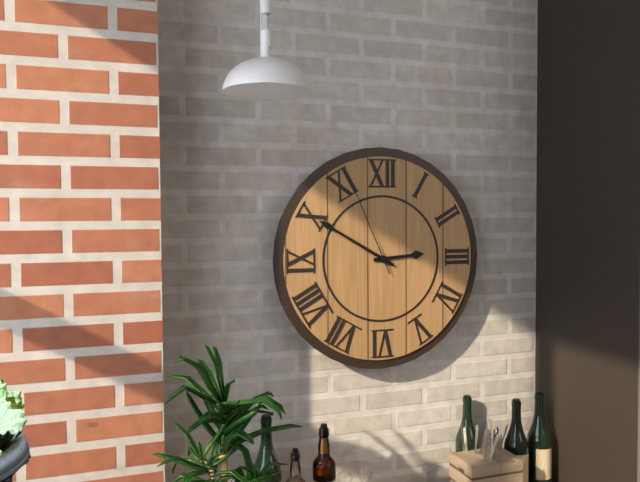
{"hour": 2, "minute": 50, "second": 56}
